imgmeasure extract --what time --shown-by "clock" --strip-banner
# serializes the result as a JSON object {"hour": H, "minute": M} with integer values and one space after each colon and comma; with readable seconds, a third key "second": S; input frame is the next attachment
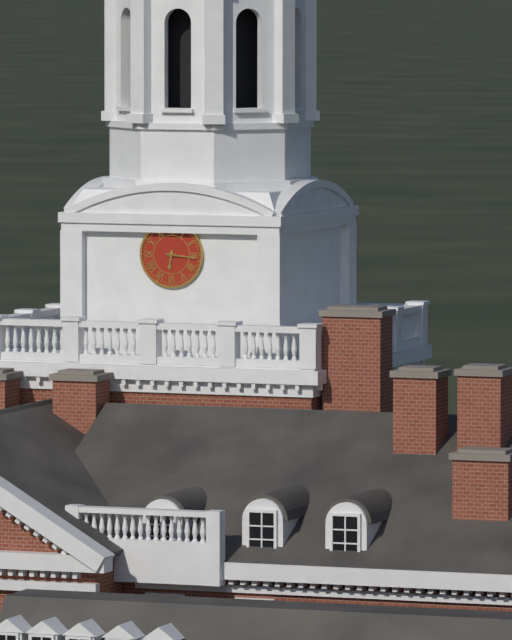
{"hour": 6, "minute": 16}
